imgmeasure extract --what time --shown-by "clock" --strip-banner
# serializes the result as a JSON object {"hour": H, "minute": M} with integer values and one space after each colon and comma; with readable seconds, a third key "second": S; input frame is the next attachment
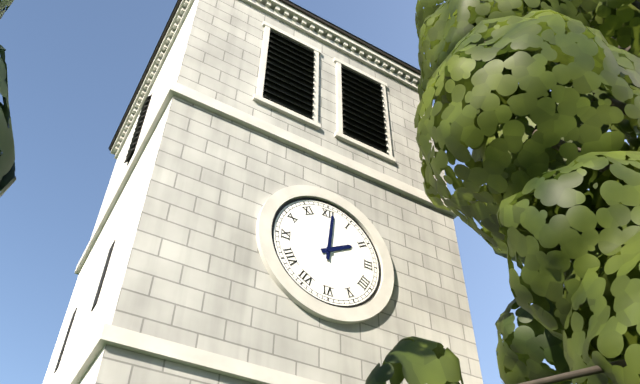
{"hour": 2, "minute": 1}
